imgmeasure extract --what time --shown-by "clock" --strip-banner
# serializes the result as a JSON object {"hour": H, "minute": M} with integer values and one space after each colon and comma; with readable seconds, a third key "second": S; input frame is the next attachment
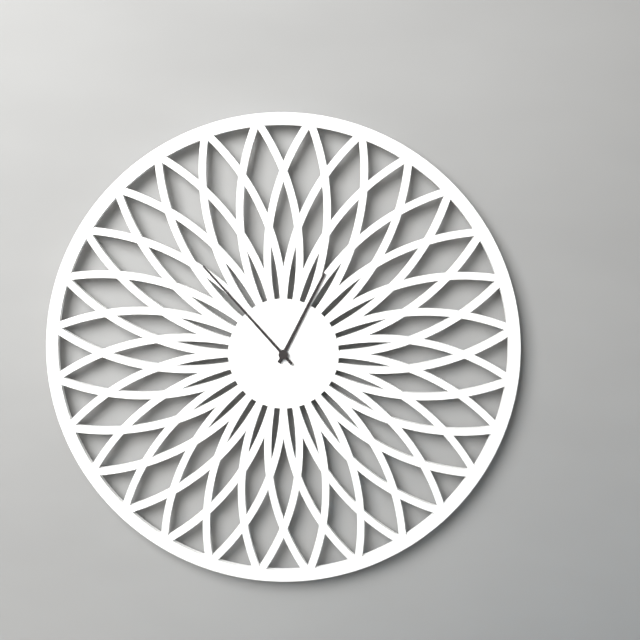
{"hour": 12, "minute": 53}
